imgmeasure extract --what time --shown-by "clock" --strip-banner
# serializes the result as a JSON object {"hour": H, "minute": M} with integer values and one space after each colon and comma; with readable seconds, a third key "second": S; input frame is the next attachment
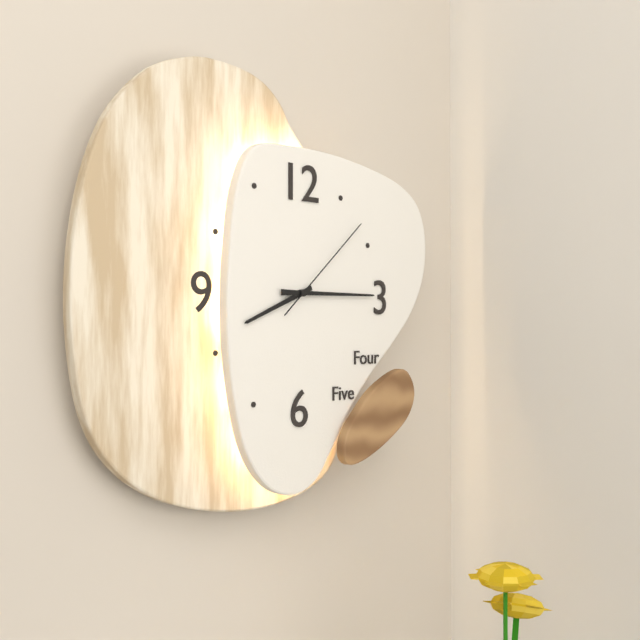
{"hour": 8, "minute": 15, "second": 8}
